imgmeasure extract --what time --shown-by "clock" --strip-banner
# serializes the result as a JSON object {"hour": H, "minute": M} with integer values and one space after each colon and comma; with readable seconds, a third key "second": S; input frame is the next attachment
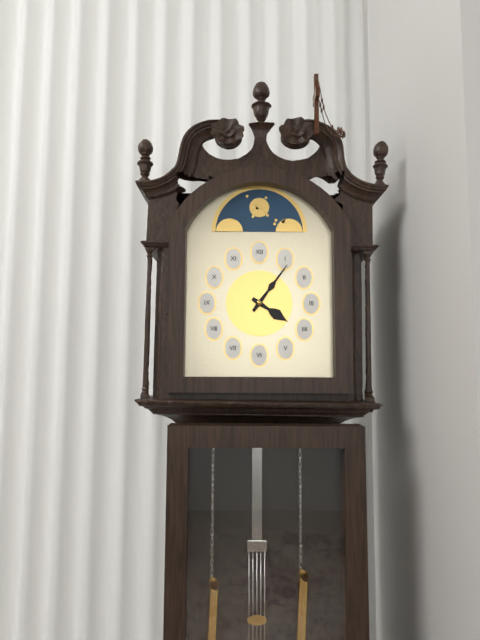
{"hour": 4, "minute": 6}
